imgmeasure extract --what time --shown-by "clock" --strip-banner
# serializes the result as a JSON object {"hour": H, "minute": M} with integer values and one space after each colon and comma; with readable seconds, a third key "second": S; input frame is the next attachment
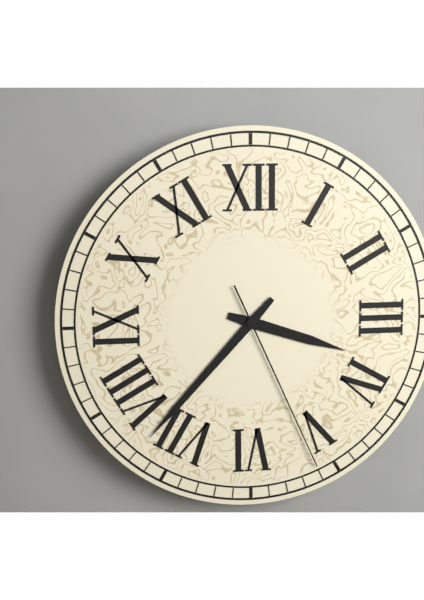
{"hour": 3, "minute": 37, "second": 26}
